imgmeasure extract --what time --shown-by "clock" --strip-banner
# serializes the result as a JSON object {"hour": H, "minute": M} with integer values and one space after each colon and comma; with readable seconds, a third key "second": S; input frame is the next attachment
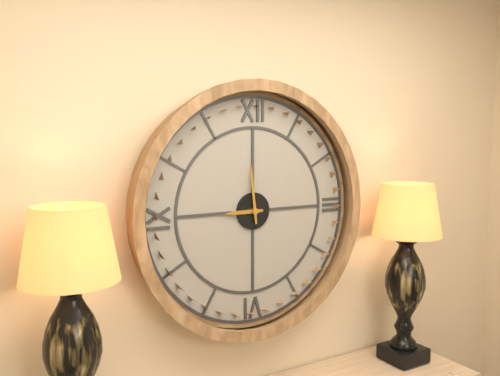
{"hour": 8, "minute": 59}
